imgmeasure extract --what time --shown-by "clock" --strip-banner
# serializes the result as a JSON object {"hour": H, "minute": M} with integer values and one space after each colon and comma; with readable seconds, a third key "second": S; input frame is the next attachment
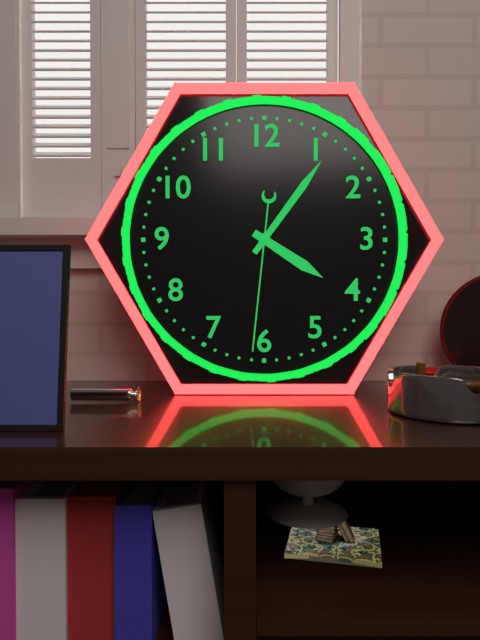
{"hour": 4, "minute": 6, "second": 31}
